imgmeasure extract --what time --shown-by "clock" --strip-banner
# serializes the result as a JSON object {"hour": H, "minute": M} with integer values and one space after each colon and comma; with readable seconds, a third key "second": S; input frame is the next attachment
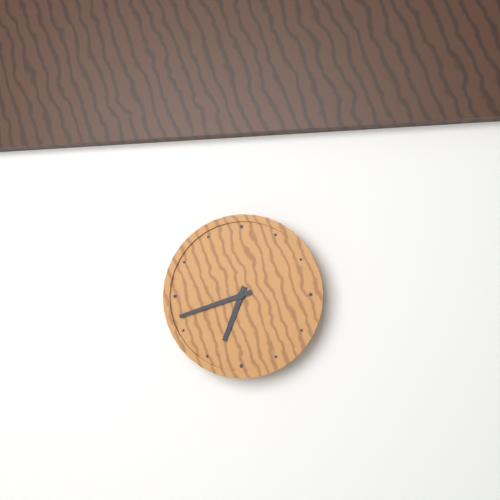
{"hour": 6, "minute": 42}
